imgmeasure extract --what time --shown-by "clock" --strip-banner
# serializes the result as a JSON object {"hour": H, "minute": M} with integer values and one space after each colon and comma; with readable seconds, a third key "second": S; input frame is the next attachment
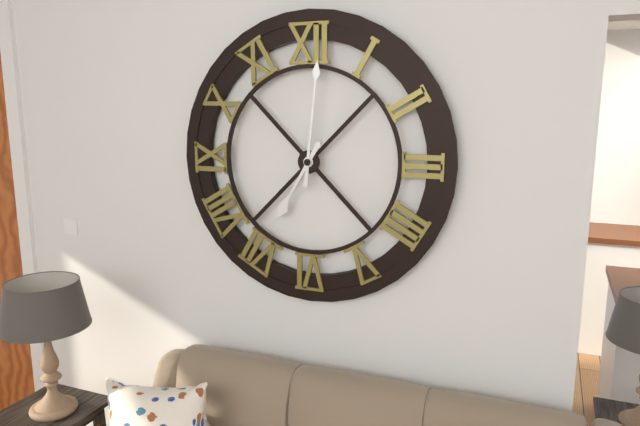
{"hour": 7, "minute": 1}
